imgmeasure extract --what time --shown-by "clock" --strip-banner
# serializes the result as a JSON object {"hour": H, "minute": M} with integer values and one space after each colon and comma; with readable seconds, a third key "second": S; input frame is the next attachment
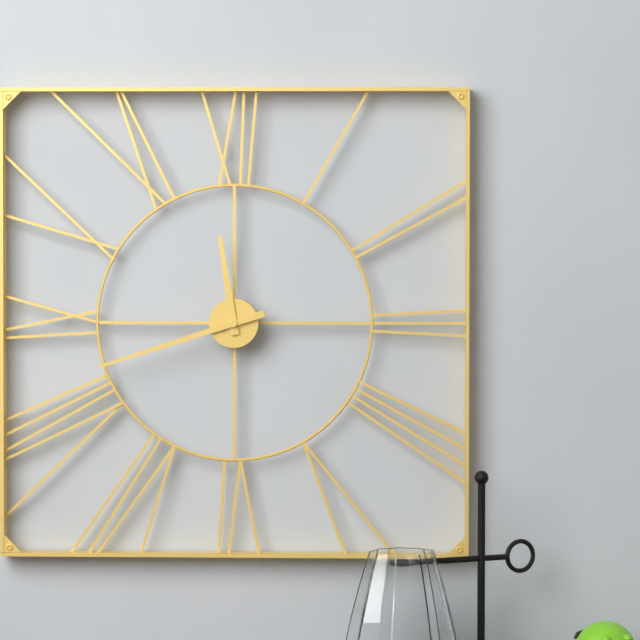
{"hour": 11, "minute": 42}
